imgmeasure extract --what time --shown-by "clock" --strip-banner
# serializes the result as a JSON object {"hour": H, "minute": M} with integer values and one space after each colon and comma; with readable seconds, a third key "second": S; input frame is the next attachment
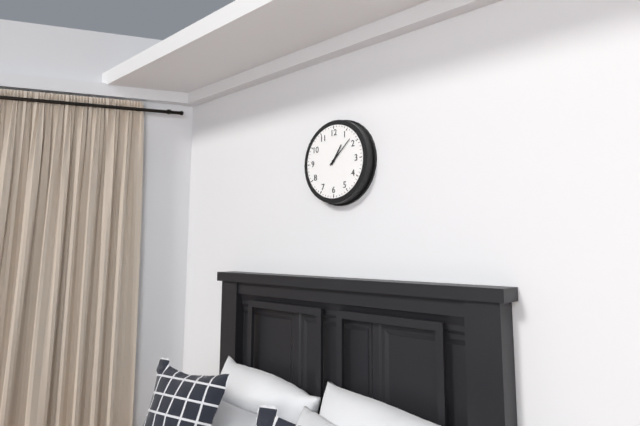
{"hour": 1, "minute": 8}
